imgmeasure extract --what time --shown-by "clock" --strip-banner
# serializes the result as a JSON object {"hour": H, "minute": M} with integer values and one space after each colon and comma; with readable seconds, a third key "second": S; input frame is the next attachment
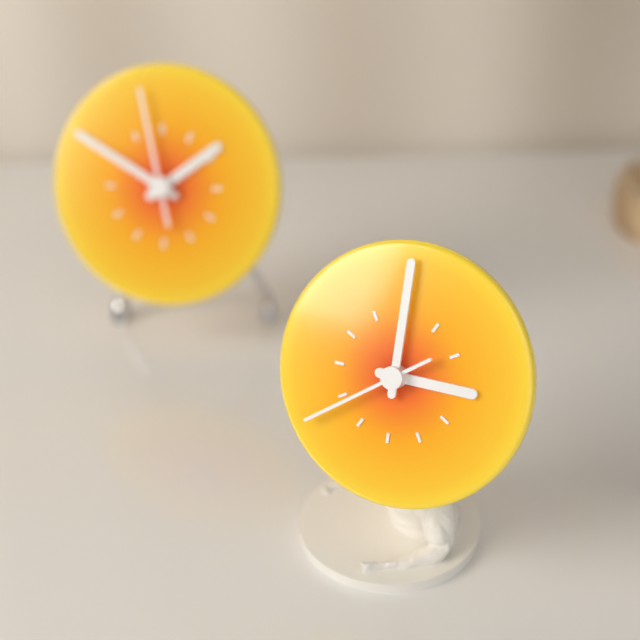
{"hour": 3, "minute": 0, "second": 39}
